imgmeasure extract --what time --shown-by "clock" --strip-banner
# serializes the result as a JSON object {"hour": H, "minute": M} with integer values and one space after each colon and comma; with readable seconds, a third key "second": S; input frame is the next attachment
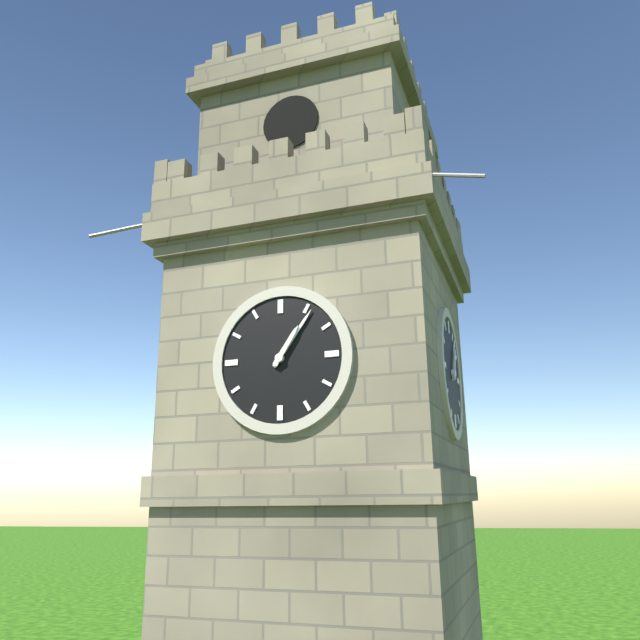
{"hour": 1, "minute": 6}
